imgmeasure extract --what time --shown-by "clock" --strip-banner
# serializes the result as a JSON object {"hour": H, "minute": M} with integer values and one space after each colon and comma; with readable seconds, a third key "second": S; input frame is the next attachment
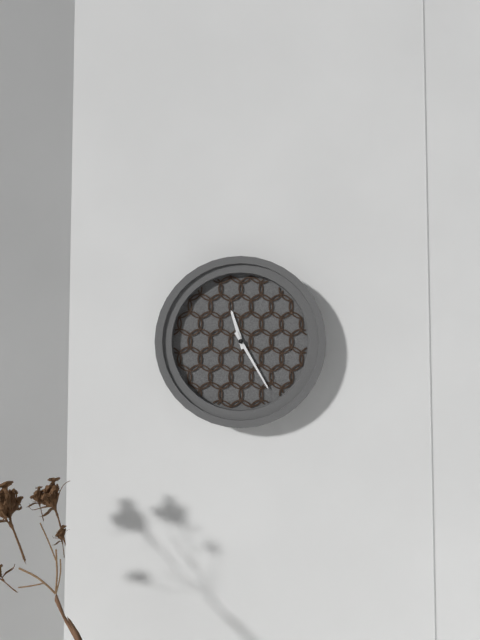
{"hour": 11, "minute": 25}
